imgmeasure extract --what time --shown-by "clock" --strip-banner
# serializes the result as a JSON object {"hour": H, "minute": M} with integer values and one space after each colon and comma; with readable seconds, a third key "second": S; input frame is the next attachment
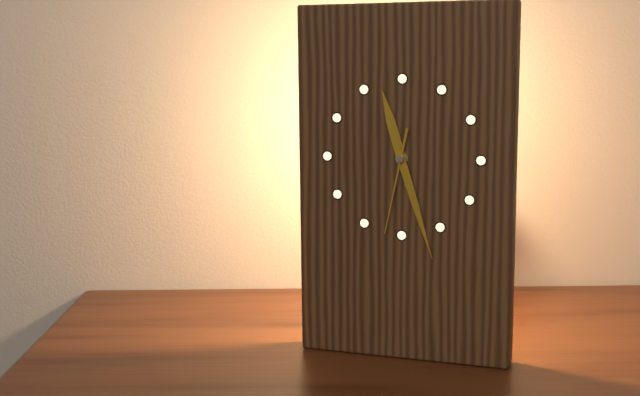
{"hour": 11, "minute": 27, "second": 32}
